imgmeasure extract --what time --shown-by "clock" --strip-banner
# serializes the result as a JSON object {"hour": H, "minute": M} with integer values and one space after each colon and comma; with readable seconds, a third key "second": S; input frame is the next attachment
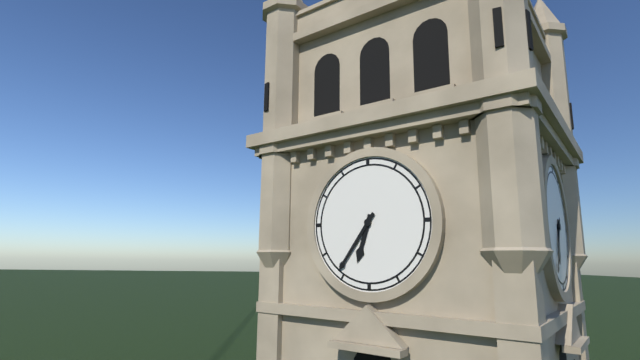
{"hour": 6, "minute": 36}
